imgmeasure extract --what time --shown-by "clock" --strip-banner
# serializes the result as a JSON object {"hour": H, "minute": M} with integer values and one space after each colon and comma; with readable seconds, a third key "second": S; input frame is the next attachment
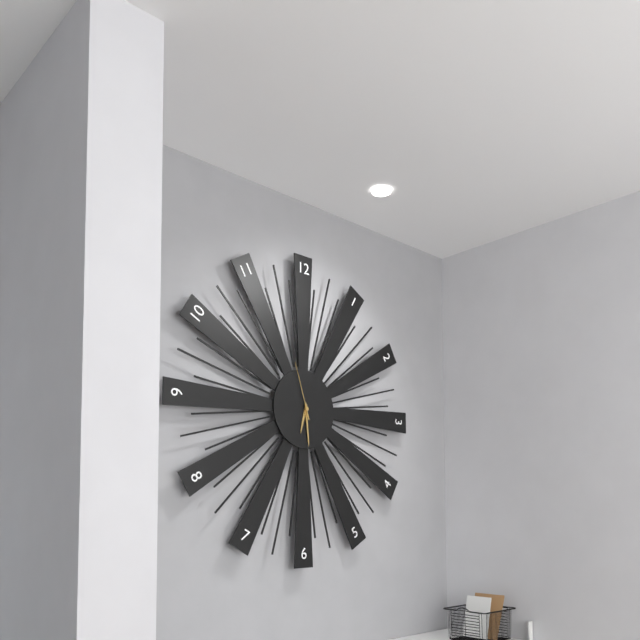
{"hour": 6, "minute": 29, "second": 57}
